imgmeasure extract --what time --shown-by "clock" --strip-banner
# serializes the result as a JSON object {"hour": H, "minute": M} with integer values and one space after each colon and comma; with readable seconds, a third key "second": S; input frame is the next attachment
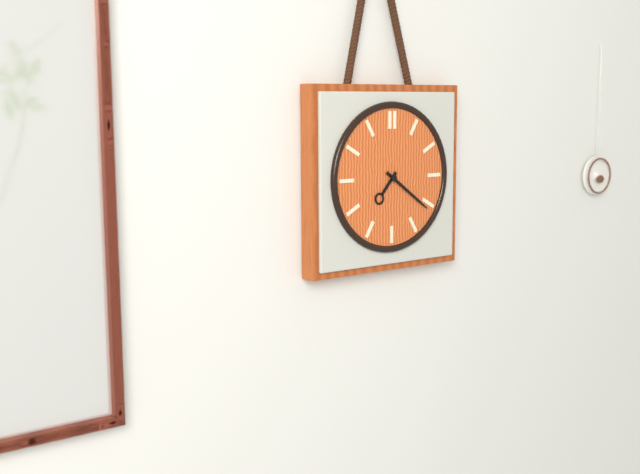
{"hour": 7, "minute": 21}
